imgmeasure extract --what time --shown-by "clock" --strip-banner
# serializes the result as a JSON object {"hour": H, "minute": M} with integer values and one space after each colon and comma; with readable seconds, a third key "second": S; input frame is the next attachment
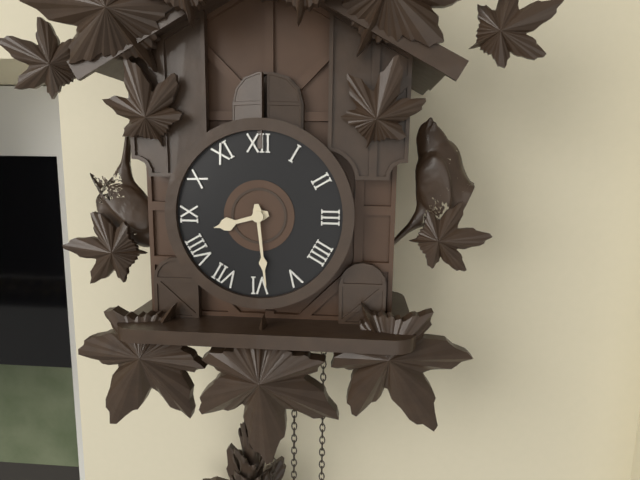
{"hour": 8, "minute": 29}
